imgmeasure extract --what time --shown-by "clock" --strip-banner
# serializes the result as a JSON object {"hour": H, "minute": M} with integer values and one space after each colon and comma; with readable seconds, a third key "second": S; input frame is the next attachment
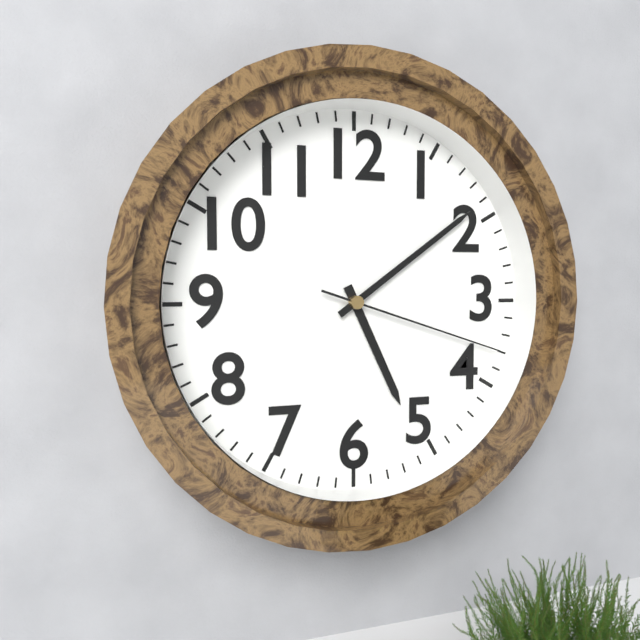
{"hour": 5, "minute": 9, "second": 18}
